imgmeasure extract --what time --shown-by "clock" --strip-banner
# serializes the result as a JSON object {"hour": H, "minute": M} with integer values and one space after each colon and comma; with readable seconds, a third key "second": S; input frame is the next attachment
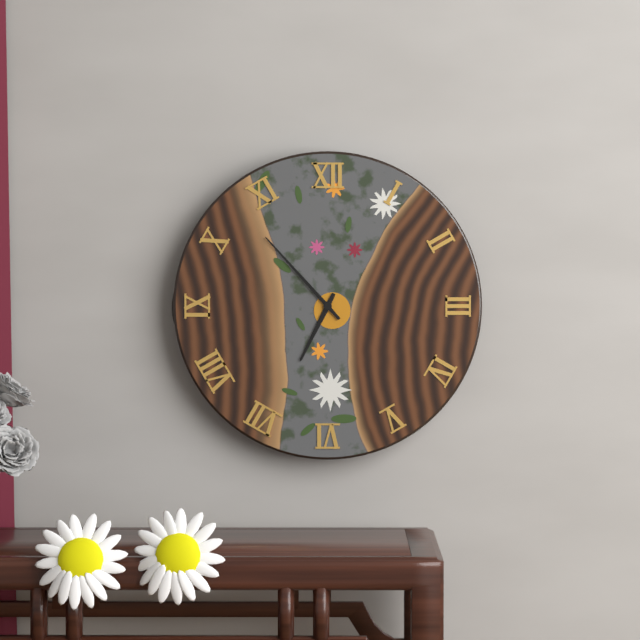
{"hour": 6, "minute": 53}
